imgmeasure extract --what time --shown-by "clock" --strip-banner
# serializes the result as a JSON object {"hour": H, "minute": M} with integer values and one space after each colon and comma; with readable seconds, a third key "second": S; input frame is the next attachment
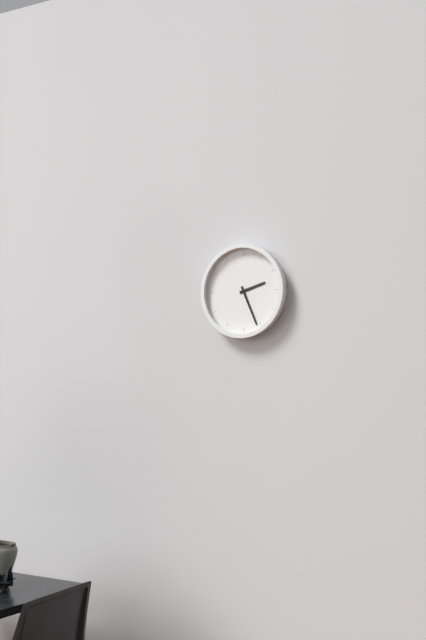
{"hour": 2, "minute": 26}
